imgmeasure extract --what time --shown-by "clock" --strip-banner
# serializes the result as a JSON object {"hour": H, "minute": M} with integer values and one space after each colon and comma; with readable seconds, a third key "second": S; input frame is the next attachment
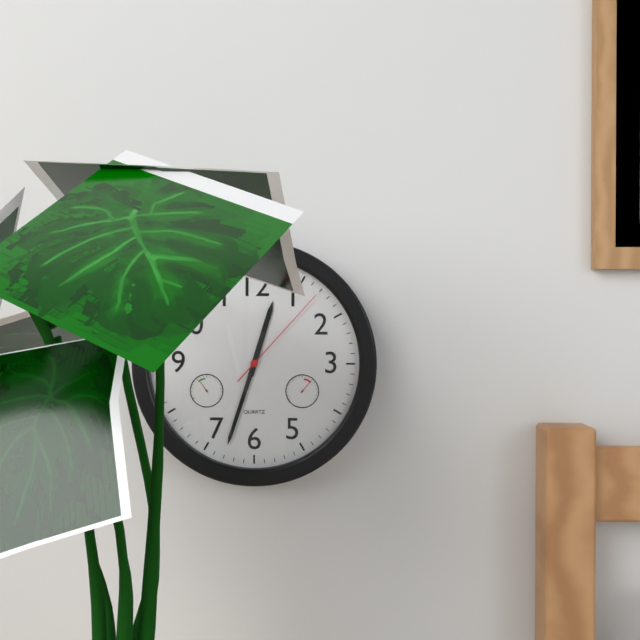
{"hour": 12, "minute": 33, "second": 7}
